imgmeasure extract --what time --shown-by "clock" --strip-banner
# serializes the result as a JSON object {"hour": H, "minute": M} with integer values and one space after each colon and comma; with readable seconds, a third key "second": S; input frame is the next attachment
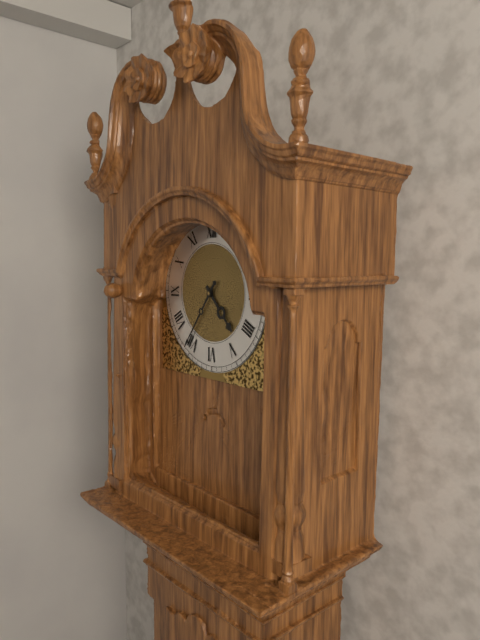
{"hour": 4, "minute": 36}
